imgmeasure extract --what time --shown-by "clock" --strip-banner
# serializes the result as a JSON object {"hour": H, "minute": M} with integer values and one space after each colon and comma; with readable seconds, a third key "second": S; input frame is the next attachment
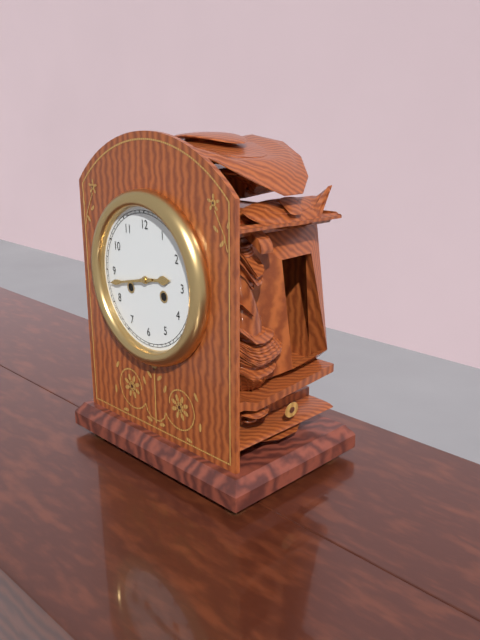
{"hour": 2, "minute": 43}
